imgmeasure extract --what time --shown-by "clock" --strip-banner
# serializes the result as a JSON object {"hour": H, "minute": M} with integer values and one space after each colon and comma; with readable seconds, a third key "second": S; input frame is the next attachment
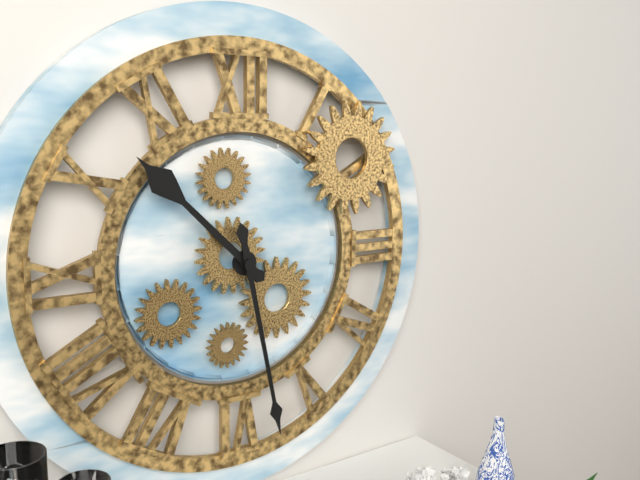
{"hour": 10, "minute": 28}
